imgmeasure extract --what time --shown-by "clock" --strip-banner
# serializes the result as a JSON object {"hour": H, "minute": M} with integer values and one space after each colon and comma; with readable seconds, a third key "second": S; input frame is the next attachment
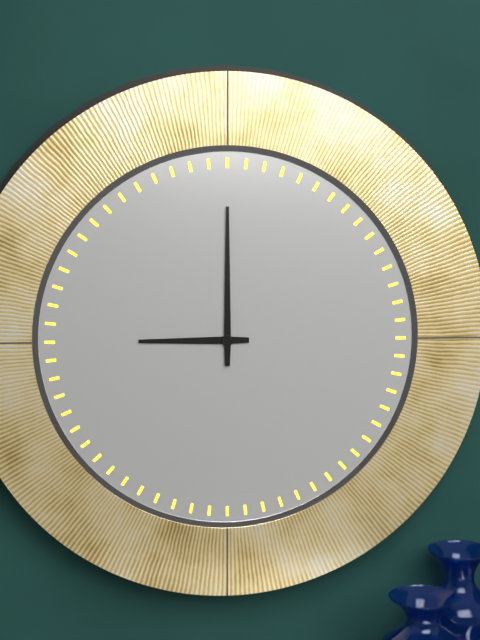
{"hour": 9, "minute": 0}
